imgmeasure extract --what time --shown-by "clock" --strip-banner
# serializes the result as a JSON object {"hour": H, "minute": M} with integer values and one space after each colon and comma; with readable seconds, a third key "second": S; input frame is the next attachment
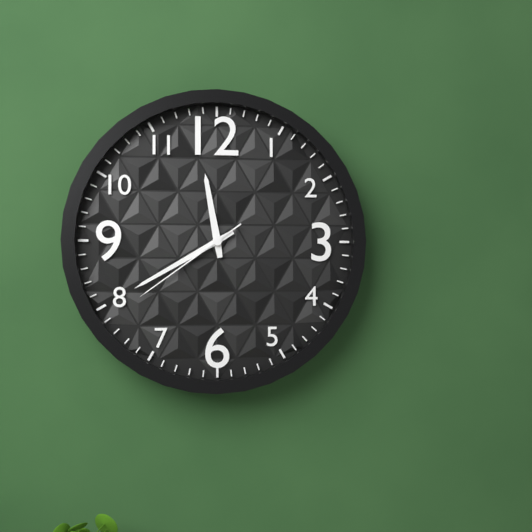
{"hour": 11, "minute": 40, "second": 39}
